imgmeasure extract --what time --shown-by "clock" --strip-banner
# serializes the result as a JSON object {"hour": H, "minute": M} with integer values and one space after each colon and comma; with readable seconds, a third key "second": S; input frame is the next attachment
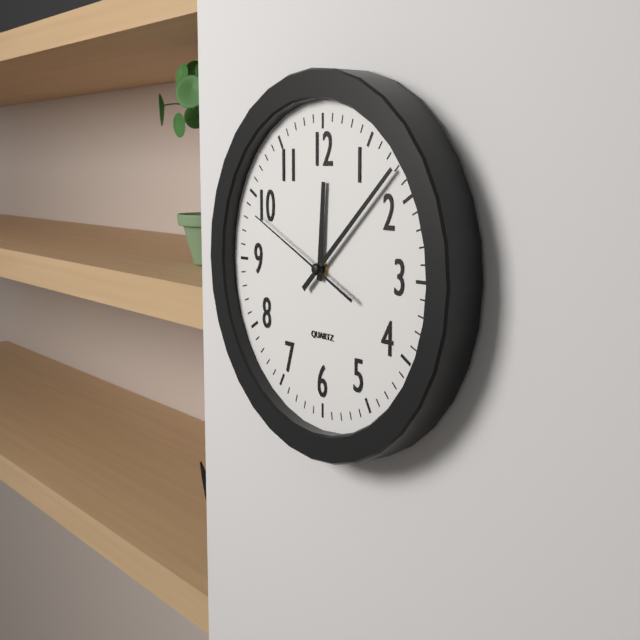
{"hour": 12, "minute": 8, "second": 49}
